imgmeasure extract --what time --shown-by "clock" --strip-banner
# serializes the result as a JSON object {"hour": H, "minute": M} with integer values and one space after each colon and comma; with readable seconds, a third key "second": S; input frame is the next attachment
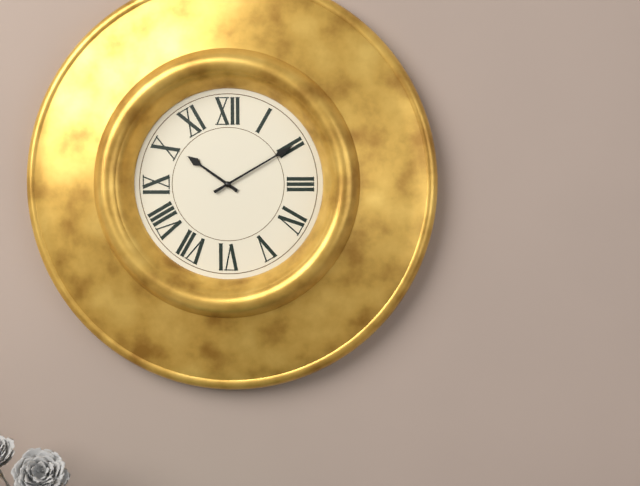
{"hour": 10, "minute": 10}
